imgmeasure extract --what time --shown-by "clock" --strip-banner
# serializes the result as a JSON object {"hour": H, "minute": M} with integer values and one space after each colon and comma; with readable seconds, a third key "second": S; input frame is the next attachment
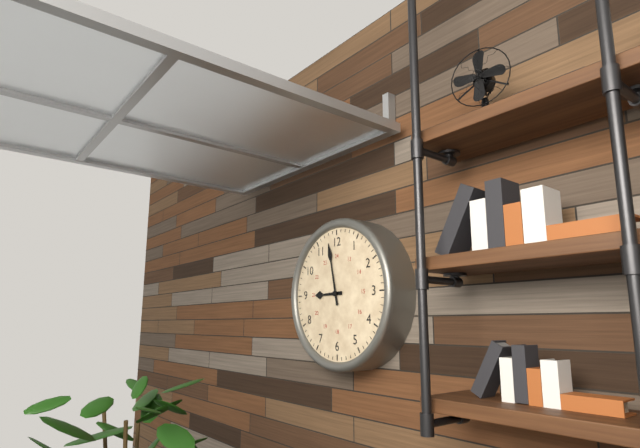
{"hour": 8, "minute": 58}
